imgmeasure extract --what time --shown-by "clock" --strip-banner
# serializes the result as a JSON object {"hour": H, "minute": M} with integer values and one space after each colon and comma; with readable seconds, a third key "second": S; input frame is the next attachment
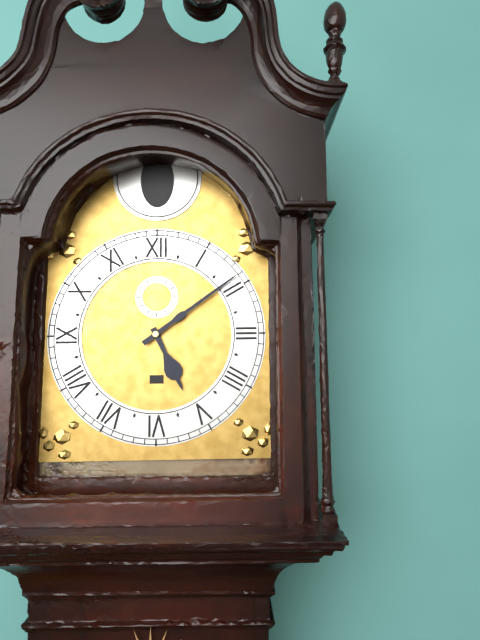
{"hour": 5, "minute": 9}
